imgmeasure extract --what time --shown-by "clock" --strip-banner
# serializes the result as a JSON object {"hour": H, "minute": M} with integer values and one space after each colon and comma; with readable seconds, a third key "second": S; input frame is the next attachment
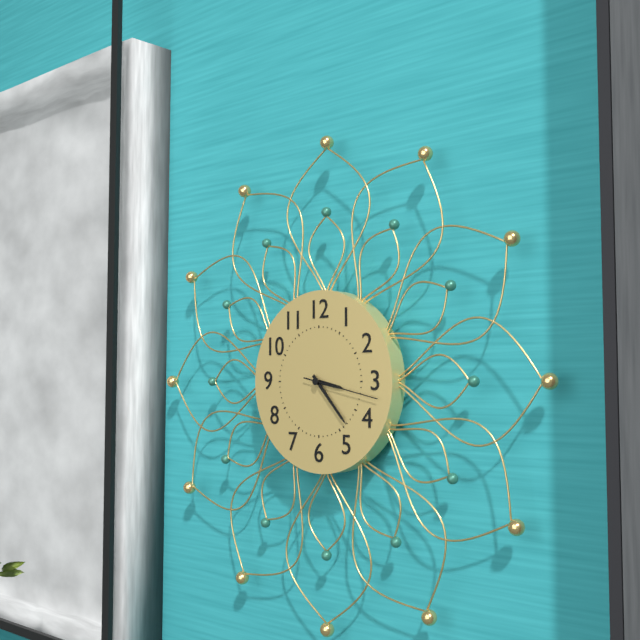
{"hour": 3, "minute": 23}
